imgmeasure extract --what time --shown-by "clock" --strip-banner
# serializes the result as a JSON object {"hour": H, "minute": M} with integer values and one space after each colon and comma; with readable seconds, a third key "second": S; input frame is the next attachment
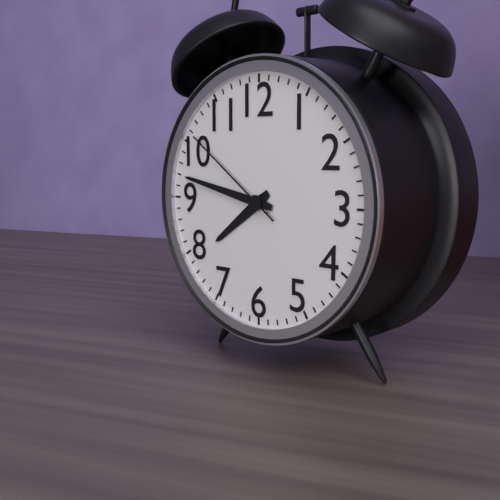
{"hour": 7, "minute": 47, "second": 51}
